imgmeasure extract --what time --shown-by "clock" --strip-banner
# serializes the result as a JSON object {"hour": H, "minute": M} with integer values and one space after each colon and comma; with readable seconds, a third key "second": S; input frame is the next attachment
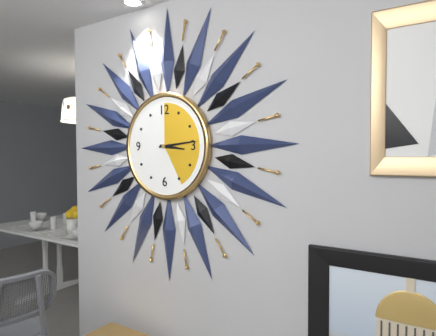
{"hour": 3, "minute": 14}
